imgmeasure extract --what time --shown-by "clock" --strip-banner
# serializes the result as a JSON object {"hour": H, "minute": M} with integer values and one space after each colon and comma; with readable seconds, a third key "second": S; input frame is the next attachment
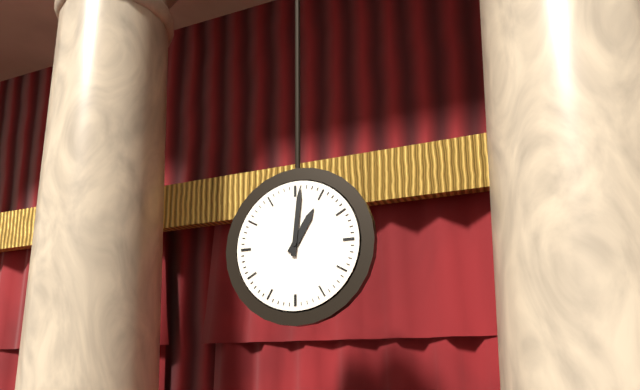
{"hour": 1, "minute": 1}
